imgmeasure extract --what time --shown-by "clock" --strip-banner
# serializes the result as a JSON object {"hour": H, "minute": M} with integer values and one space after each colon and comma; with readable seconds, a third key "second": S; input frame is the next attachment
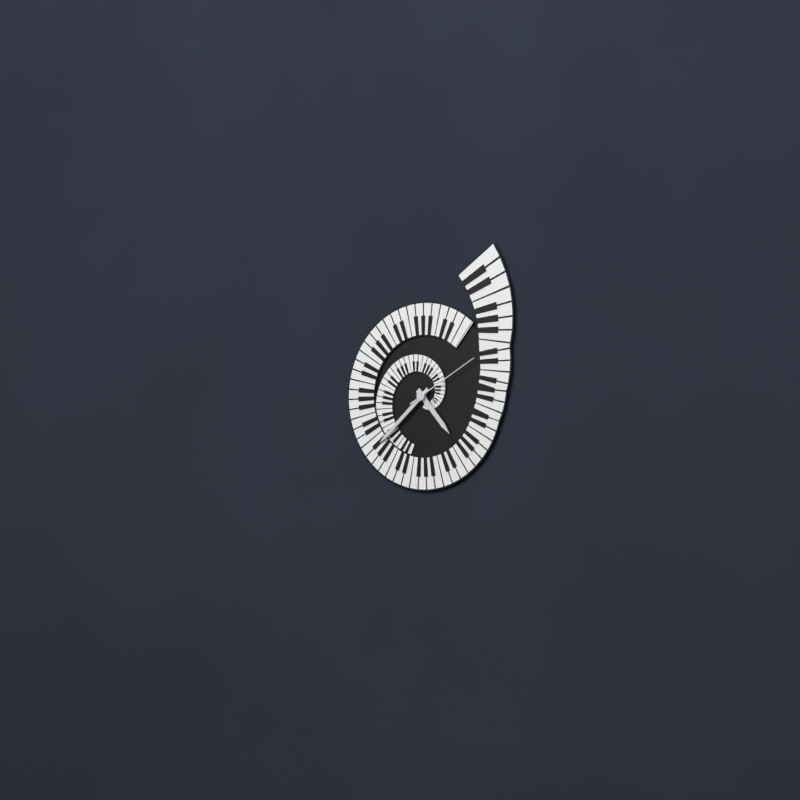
{"hour": 4, "minute": 38, "second": 10}
